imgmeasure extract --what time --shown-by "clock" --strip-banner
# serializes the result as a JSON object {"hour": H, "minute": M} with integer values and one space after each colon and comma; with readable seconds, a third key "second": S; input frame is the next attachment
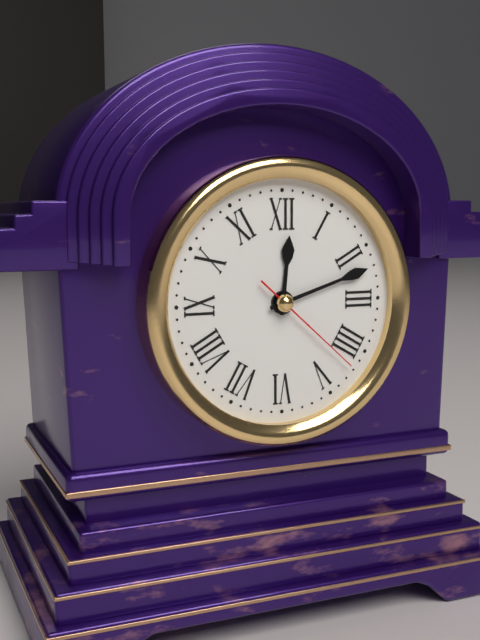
{"hour": 12, "minute": 12, "second": 22}
